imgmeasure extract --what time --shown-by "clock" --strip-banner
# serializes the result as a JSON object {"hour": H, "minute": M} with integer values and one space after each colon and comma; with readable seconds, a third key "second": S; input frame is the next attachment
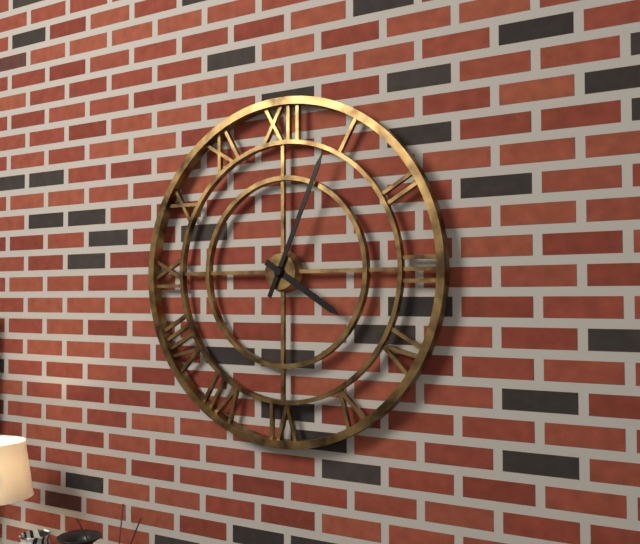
{"hour": 4, "minute": 4}
